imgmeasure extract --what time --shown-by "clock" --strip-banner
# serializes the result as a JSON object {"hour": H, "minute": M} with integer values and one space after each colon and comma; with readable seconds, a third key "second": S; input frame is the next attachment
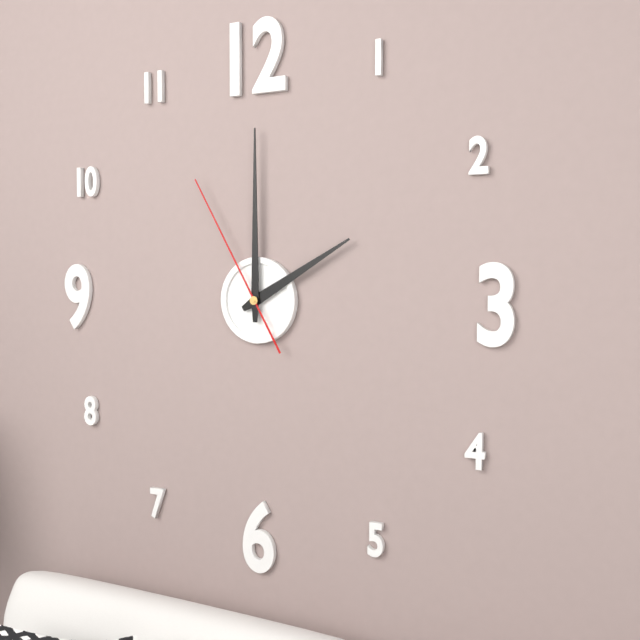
{"hour": 2, "minute": 0, "second": 55}
